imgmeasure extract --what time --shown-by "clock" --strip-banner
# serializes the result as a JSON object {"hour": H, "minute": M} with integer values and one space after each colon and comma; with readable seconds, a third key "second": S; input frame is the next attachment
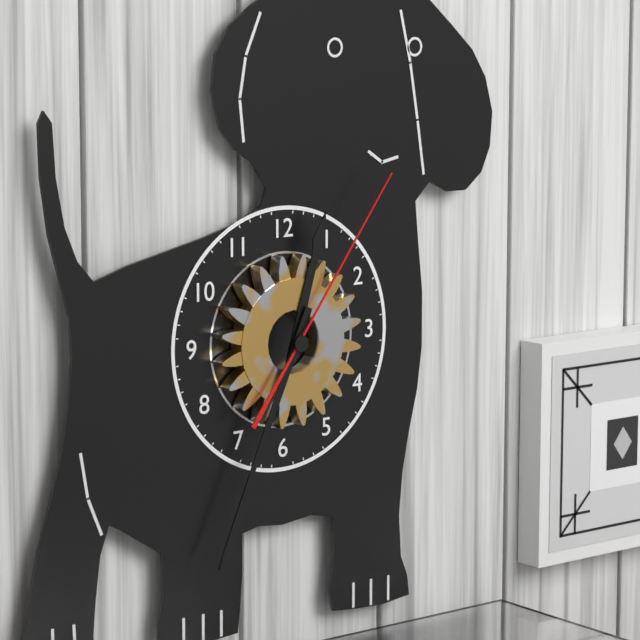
{"hour": 12, "minute": 34, "second": 6}
